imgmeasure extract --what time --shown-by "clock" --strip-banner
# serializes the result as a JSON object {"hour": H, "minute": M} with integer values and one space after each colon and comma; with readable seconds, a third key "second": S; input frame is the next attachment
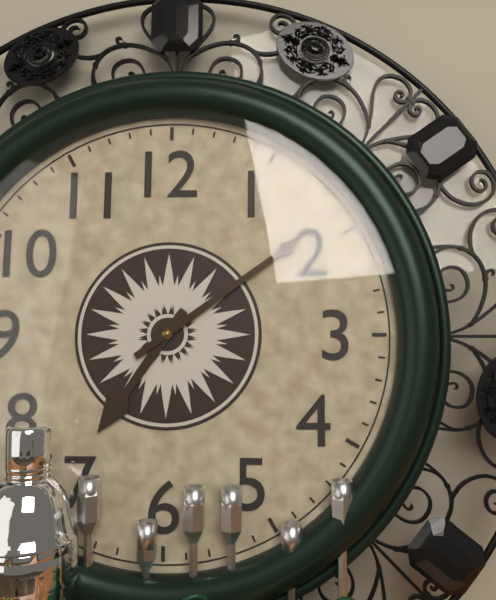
{"hour": 7, "minute": 9}
